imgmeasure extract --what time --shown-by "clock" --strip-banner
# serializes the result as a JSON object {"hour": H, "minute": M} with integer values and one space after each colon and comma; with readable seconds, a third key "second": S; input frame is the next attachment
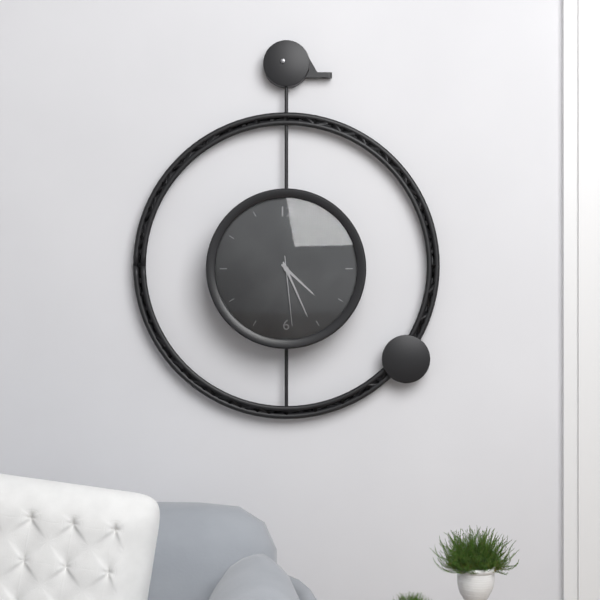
{"hour": 4, "minute": 26, "second": 29}
